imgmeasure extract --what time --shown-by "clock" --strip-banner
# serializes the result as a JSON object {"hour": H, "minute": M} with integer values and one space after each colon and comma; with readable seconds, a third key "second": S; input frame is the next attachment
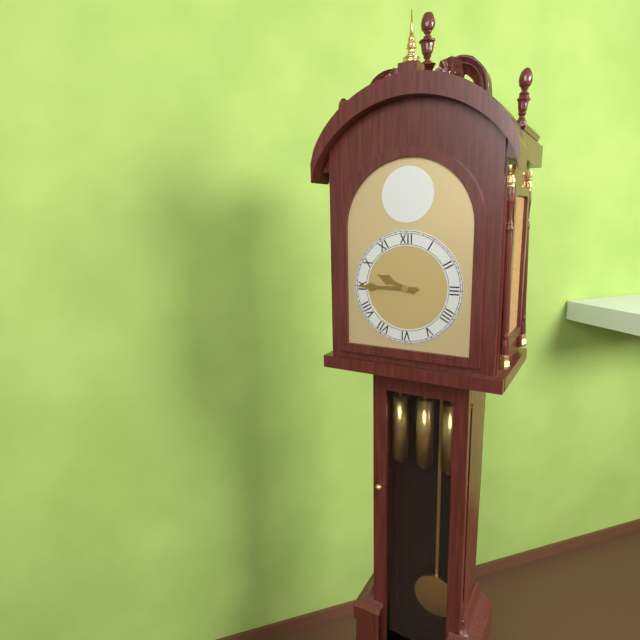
{"hour": 9, "minute": 45}
